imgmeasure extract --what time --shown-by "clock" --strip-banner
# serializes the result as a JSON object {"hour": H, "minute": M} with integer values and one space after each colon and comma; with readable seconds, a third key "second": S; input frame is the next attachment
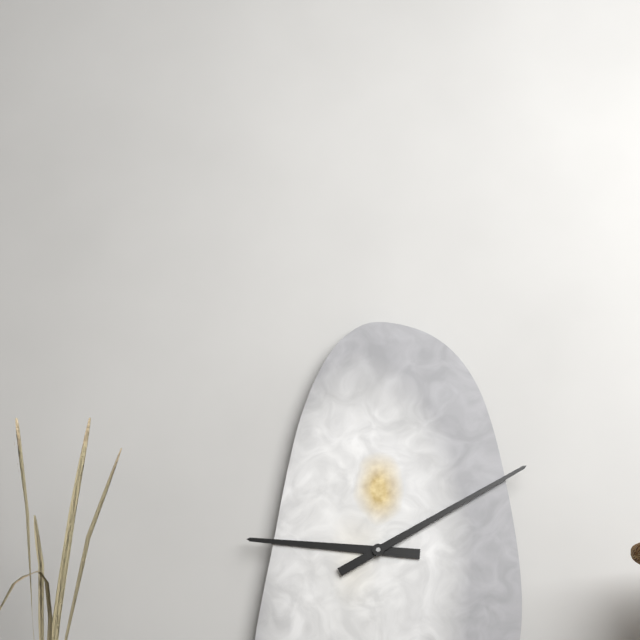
{"hour": 9, "minute": 10}
